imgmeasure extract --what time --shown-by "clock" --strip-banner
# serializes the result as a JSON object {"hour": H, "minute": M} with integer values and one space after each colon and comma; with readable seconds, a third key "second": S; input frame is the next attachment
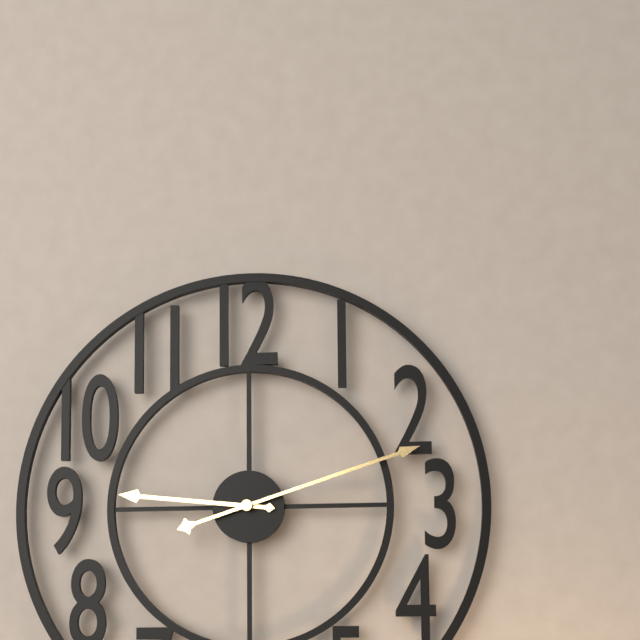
{"hour": 9, "minute": 12}
